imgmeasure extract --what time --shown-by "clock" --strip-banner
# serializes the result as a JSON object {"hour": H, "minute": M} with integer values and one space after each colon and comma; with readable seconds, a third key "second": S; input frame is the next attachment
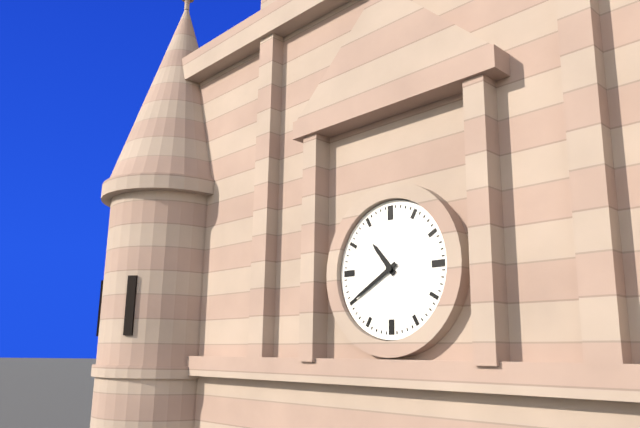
{"hour": 10, "minute": 40}
